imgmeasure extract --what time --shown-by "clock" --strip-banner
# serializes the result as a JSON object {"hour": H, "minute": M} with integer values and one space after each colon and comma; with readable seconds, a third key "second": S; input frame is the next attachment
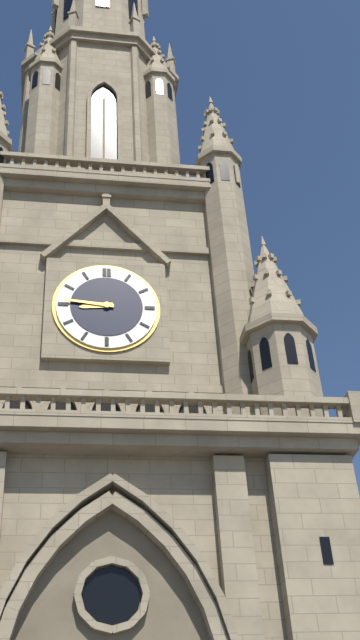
{"hour": 8, "minute": 46}
